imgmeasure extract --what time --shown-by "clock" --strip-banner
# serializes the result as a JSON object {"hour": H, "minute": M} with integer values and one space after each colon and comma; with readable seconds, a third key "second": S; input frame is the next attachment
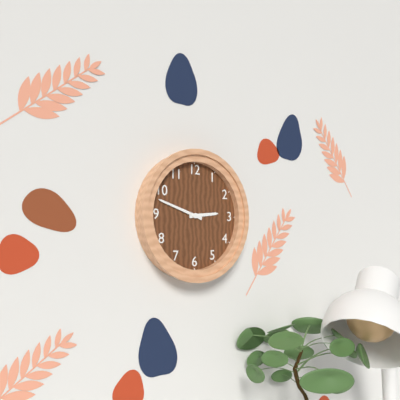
{"hour": 2, "minute": 48}
